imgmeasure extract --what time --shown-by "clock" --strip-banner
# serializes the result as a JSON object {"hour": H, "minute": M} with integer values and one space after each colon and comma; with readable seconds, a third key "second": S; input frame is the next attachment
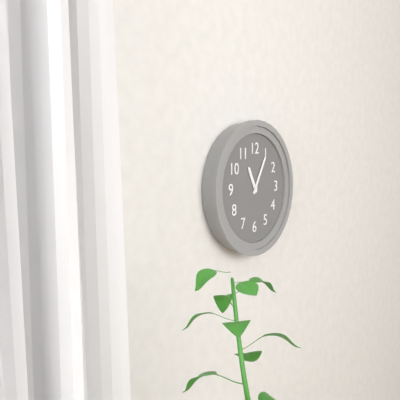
{"hour": 11, "minute": 5}
